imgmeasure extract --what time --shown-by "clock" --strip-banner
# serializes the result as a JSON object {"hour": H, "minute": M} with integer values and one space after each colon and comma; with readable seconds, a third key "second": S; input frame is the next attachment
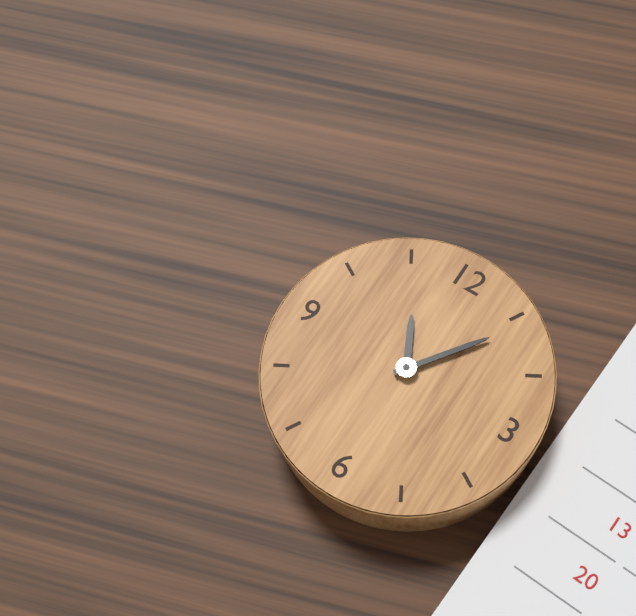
{"hour": 11, "minute": 6}
